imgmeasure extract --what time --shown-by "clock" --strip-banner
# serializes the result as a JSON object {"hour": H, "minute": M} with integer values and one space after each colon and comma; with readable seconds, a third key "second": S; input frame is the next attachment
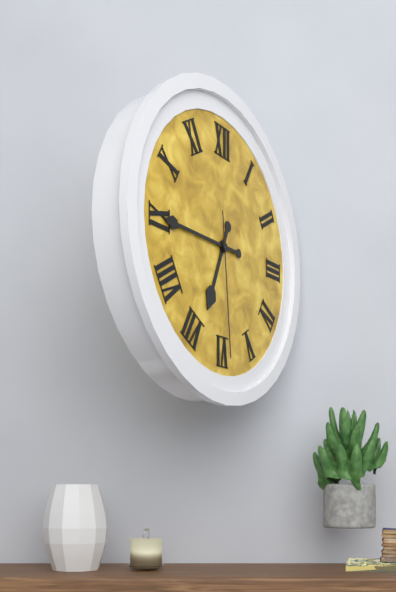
{"hour": 6, "minute": 45, "second": 29}
